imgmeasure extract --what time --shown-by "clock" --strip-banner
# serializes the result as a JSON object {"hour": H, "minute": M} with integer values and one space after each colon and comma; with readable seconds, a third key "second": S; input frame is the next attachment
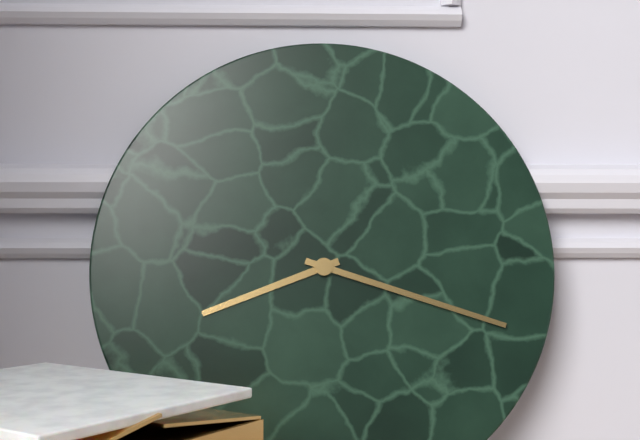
{"hour": 8, "minute": 18}
